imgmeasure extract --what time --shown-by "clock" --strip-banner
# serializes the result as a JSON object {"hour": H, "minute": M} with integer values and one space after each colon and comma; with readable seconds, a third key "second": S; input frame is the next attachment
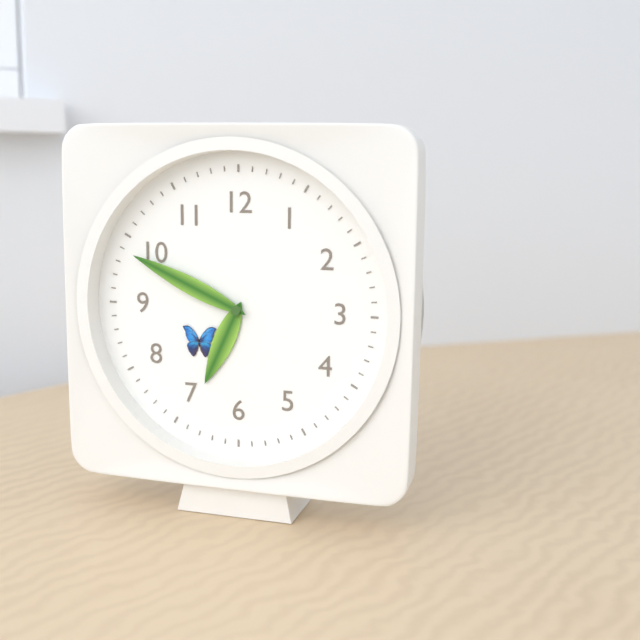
{"hour": 6, "minute": 49}
